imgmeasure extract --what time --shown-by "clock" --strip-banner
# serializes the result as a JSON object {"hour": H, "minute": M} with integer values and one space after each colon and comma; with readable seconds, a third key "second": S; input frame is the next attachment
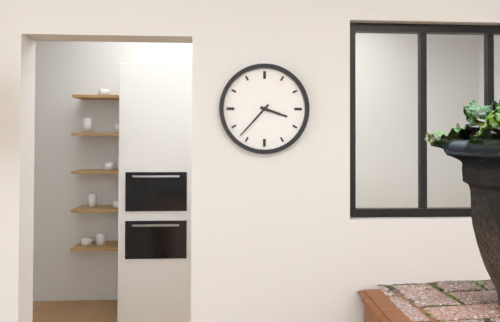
{"hour": 3, "minute": 37}
